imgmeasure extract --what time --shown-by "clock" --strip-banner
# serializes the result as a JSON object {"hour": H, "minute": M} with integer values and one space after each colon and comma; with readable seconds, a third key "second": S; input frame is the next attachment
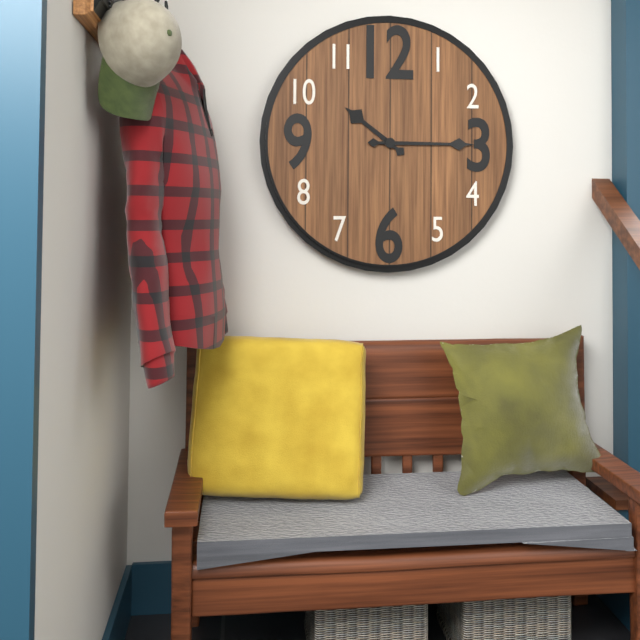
{"hour": 10, "minute": 15}
